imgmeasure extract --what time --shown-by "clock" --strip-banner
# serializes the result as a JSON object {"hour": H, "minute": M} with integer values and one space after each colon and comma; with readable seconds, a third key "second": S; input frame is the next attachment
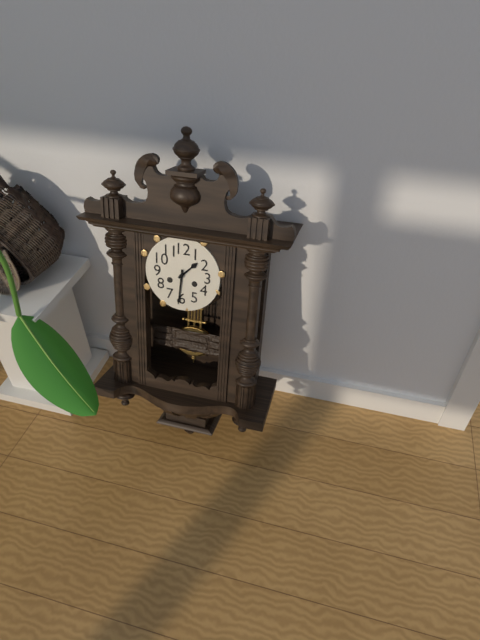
{"hour": 1, "minute": 31}
